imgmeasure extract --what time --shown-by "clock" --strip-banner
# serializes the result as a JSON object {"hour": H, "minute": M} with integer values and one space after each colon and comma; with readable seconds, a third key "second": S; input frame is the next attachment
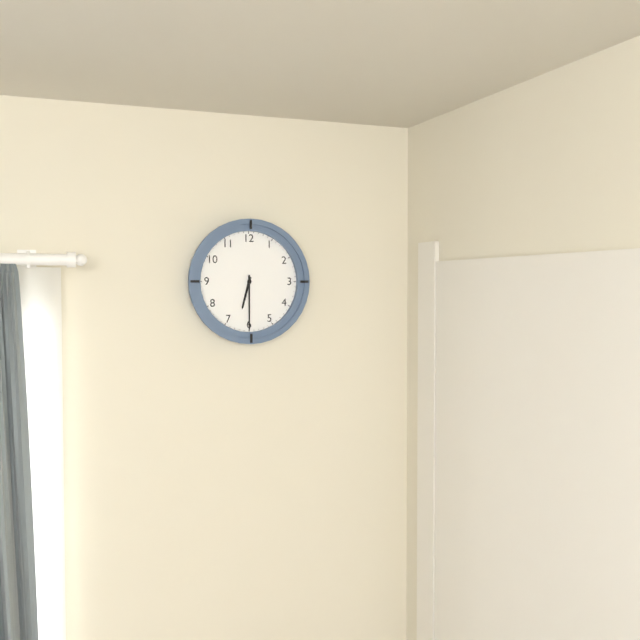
{"hour": 6, "minute": 30}
